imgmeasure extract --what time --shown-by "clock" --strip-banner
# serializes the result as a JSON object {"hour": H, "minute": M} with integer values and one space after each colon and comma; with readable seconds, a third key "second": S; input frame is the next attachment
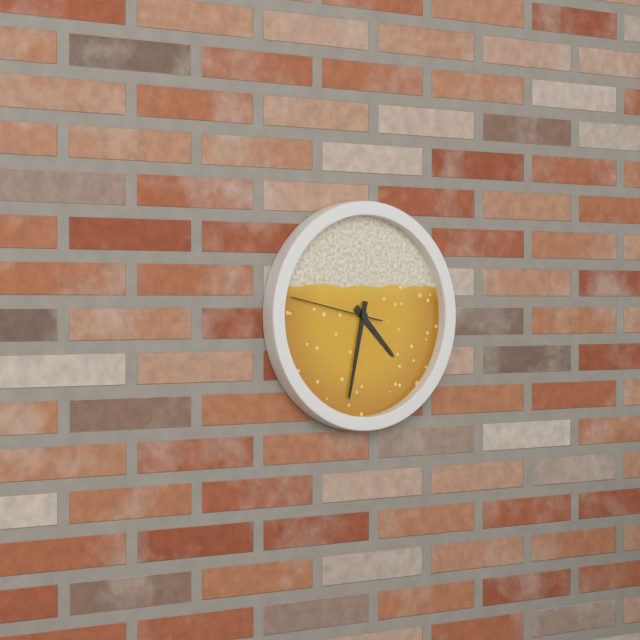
{"hour": 4, "minute": 32, "second": 47}
